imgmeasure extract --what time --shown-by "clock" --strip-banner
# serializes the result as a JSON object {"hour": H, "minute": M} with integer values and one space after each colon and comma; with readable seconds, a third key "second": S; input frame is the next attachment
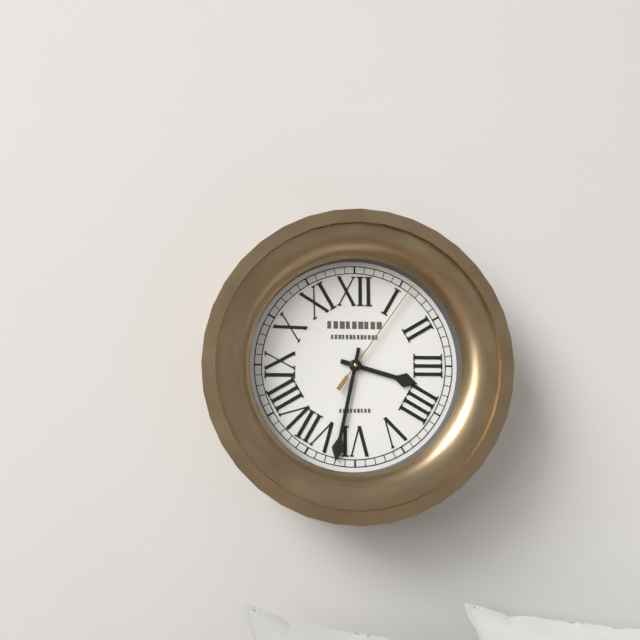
{"hour": 3, "minute": 32, "second": 6}
